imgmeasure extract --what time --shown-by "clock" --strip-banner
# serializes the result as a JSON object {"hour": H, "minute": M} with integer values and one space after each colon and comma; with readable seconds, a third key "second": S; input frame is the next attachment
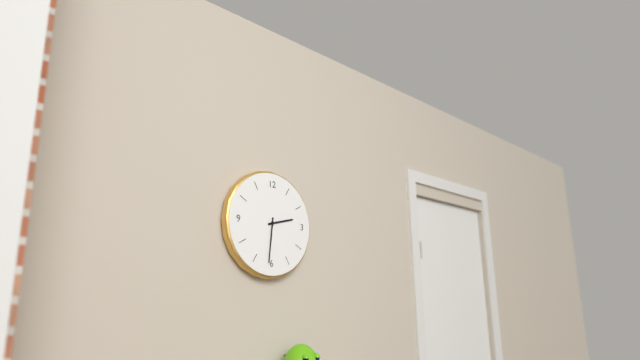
{"hour": 2, "minute": 31}
